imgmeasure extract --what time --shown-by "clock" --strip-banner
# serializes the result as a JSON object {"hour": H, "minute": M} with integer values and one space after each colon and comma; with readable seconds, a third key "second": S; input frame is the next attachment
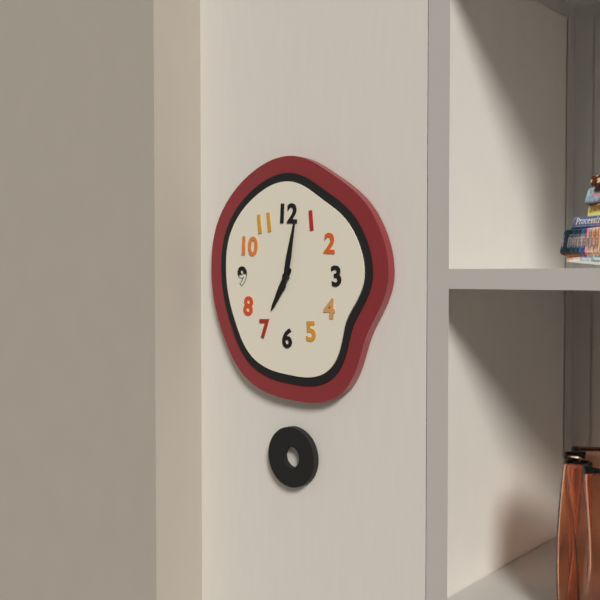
{"hour": 7, "minute": 2}
